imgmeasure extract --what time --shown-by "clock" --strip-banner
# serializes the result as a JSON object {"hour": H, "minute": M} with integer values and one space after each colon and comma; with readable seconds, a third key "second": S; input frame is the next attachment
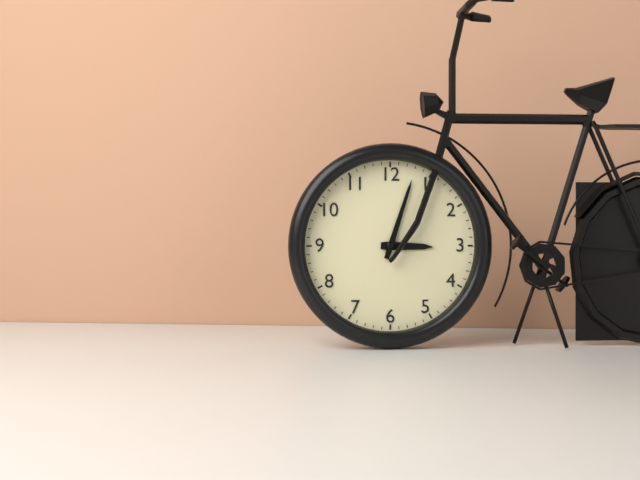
{"hour": 3, "minute": 3}
